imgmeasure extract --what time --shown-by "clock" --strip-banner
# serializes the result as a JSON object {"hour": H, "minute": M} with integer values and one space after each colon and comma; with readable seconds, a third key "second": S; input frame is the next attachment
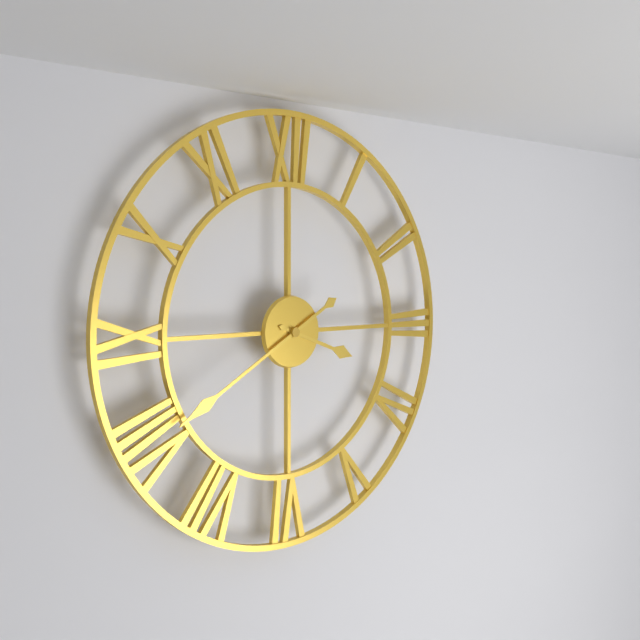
{"hour": 3, "minute": 40}
